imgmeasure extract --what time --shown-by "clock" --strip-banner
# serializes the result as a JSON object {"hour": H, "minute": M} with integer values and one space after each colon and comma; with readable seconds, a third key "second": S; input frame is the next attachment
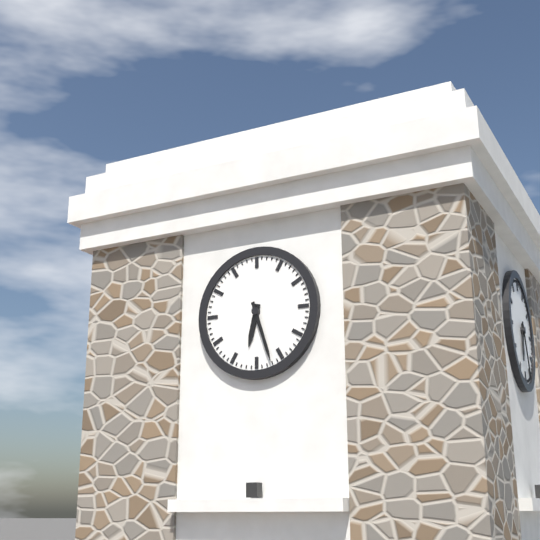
{"hour": 6, "minute": 27}
